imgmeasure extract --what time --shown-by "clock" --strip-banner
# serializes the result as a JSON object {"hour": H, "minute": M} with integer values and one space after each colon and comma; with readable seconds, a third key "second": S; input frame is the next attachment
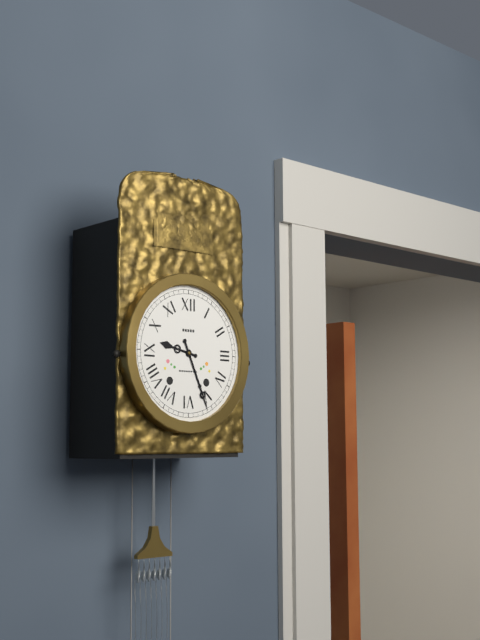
{"hour": 9, "minute": 26}
